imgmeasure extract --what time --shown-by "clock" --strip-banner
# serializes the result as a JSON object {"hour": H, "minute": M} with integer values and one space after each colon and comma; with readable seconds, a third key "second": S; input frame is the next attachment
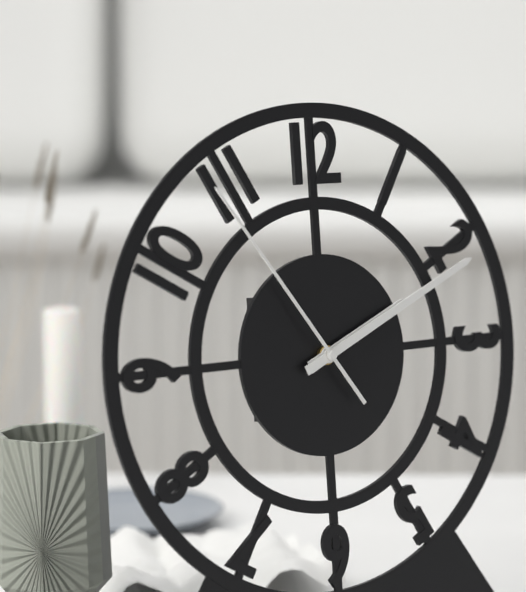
{"hour": 2, "minute": 11, "second": 54}
